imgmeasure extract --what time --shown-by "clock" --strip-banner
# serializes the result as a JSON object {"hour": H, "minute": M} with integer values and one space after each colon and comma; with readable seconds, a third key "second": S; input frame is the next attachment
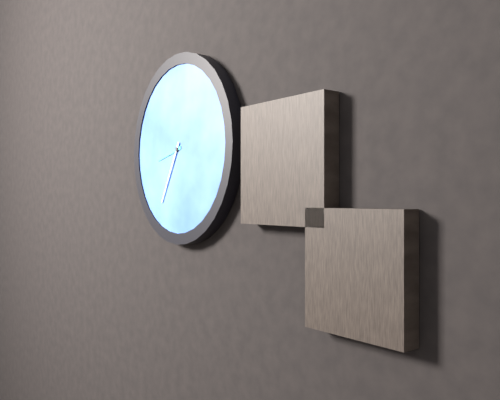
{"hour": 8, "minute": 35}
